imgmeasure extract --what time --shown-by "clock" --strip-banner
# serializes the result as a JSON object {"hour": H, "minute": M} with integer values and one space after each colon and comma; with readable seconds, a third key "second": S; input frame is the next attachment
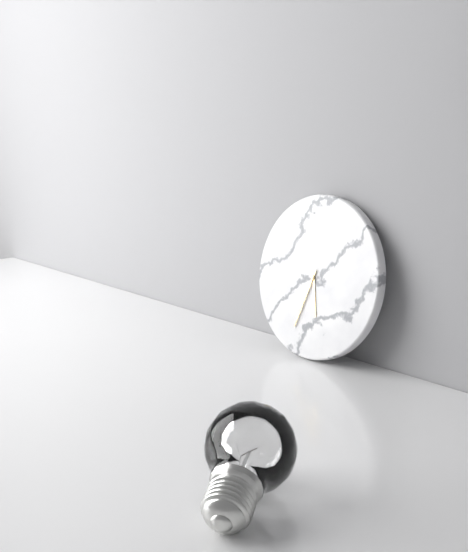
{"hour": 5, "minute": 33}
